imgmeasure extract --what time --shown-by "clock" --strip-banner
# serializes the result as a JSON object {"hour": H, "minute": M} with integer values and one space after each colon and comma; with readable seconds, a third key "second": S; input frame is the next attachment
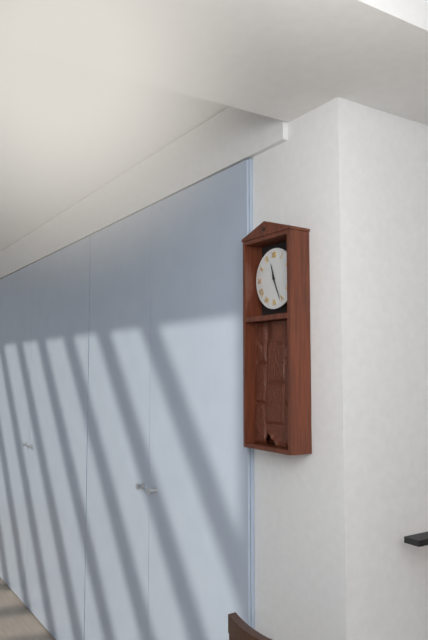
{"hour": 11, "minute": 26}
